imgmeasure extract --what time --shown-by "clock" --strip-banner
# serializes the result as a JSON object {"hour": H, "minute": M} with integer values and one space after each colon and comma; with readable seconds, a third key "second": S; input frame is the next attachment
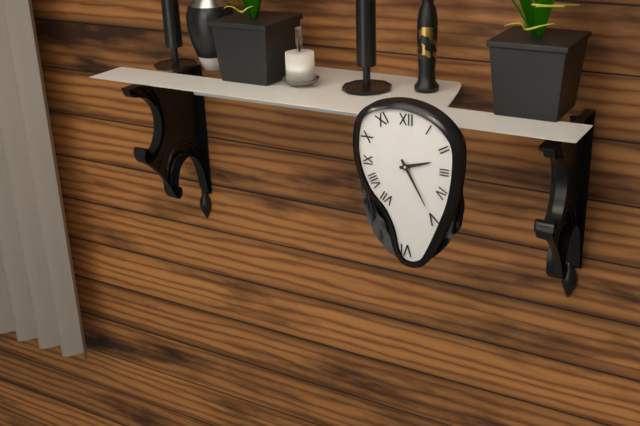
{"hour": 2, "minute": 25}
